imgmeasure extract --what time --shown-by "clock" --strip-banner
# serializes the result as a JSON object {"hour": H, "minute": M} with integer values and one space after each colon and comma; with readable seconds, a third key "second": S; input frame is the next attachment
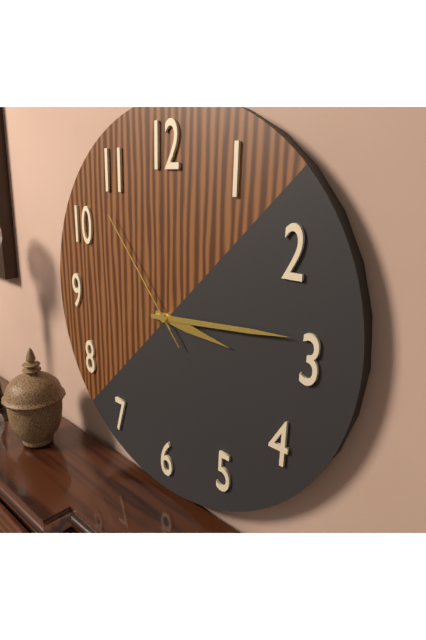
{"hour": 3, "minute": 14, "second": 53}
